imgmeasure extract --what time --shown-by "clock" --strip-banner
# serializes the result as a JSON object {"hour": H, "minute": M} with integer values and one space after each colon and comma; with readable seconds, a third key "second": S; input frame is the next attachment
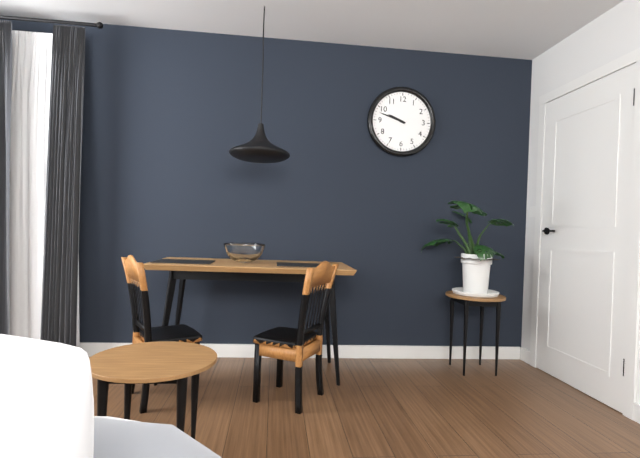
{"hour": 9, "minute": 48}
